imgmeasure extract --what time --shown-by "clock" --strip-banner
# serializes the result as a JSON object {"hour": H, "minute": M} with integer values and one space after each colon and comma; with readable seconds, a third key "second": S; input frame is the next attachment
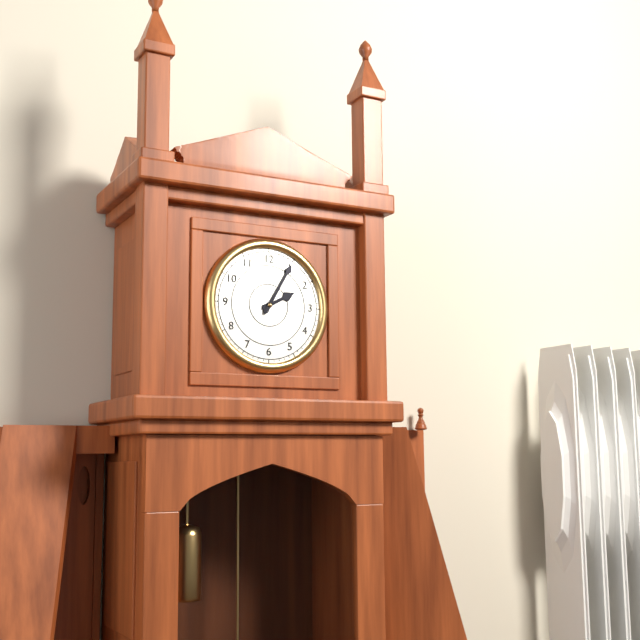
{"hour": 2, "minute": 5}
